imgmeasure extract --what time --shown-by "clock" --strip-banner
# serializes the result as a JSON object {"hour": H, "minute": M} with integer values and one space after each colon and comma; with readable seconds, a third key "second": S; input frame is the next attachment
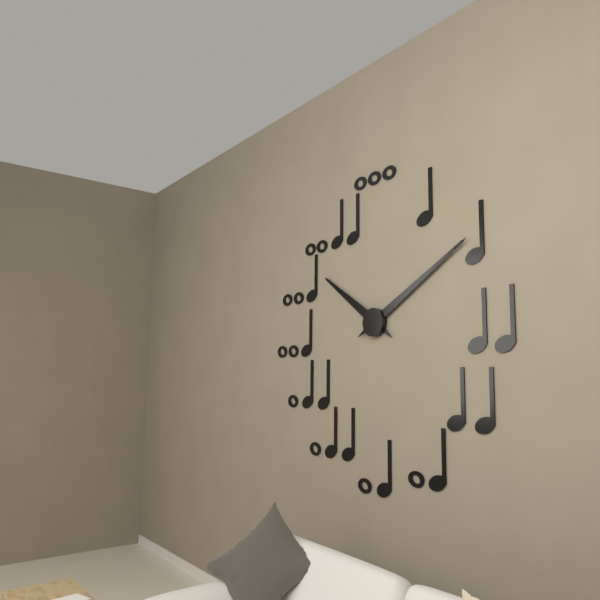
{"hour": 10, "minute": 10}
